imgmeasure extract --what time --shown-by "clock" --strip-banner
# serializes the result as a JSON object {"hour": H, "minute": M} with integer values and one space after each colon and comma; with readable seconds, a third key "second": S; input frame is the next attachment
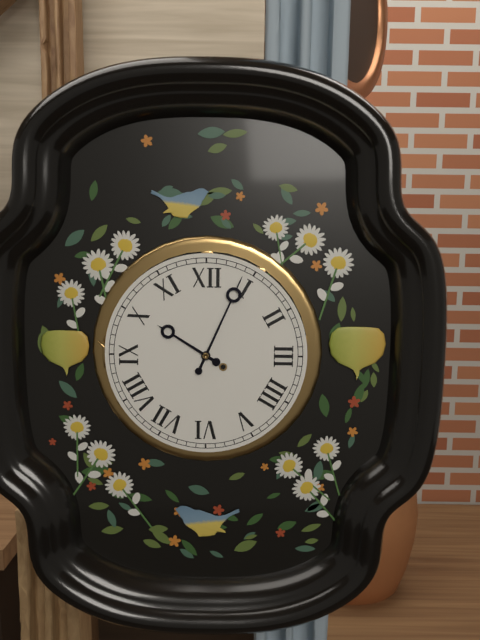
{"hour": 10, "minute": 4}
